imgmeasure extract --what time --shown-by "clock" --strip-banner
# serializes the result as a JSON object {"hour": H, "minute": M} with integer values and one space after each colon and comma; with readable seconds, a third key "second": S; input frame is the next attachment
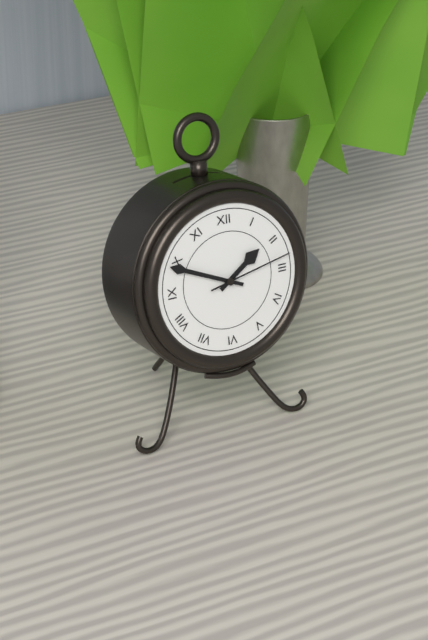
{"hour": 1, "minute": 49, "second": 13}
